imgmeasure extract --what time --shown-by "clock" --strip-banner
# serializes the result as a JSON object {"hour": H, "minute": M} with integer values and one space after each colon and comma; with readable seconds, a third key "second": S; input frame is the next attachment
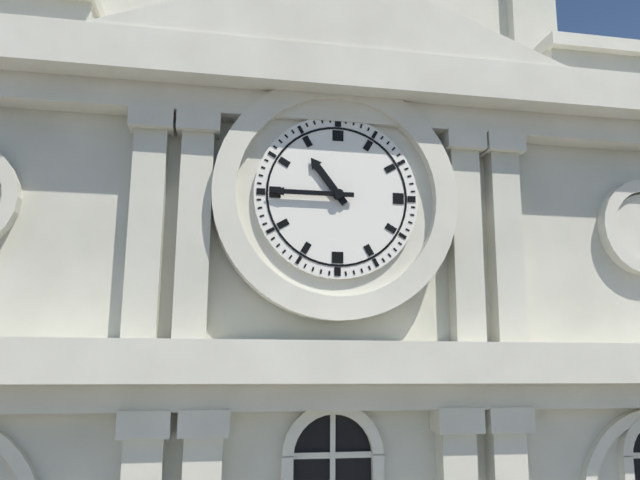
{"hour": 10, "minute": 45}
